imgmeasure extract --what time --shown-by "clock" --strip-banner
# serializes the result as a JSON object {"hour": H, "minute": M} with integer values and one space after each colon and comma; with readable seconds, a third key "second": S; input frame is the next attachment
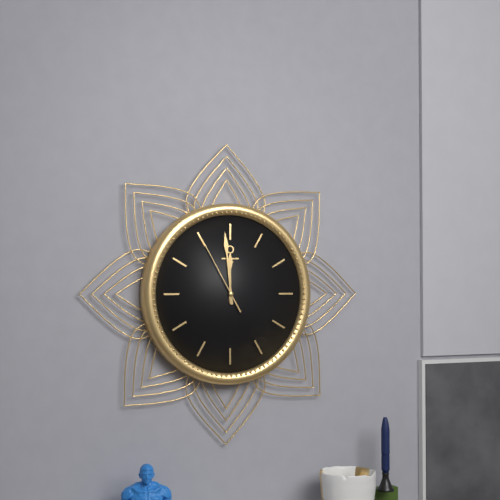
{"hour": 11, "minute": 59, "second": 55}
